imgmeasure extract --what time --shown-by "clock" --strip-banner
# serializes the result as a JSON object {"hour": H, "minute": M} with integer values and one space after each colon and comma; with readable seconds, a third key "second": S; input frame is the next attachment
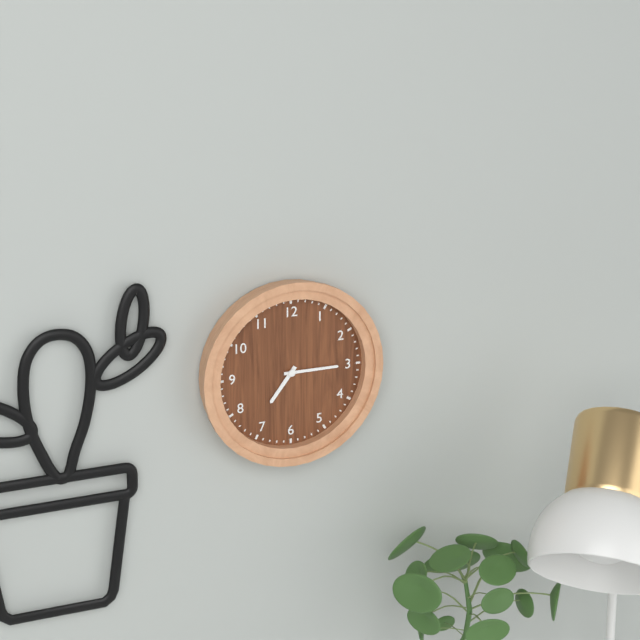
{"hour": 7, "minute": 15}
